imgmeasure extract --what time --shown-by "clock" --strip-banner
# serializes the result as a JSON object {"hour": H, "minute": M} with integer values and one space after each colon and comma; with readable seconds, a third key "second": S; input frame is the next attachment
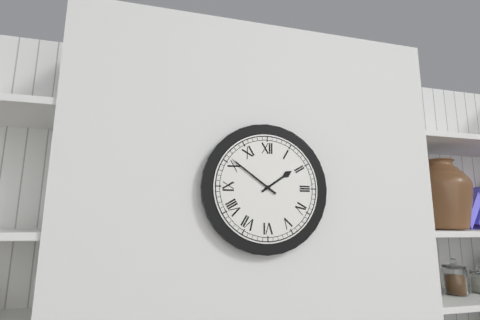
{"hour": 1, "minute": 51}
